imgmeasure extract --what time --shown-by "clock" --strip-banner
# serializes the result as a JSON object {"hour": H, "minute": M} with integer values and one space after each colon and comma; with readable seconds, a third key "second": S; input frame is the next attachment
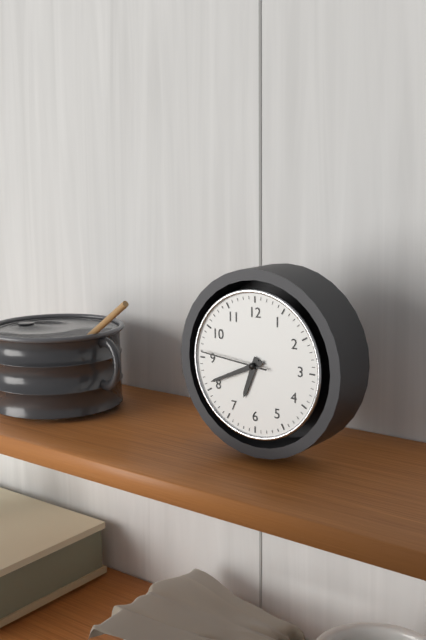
{"hour": 6, "minute": 41, "second": 46}
